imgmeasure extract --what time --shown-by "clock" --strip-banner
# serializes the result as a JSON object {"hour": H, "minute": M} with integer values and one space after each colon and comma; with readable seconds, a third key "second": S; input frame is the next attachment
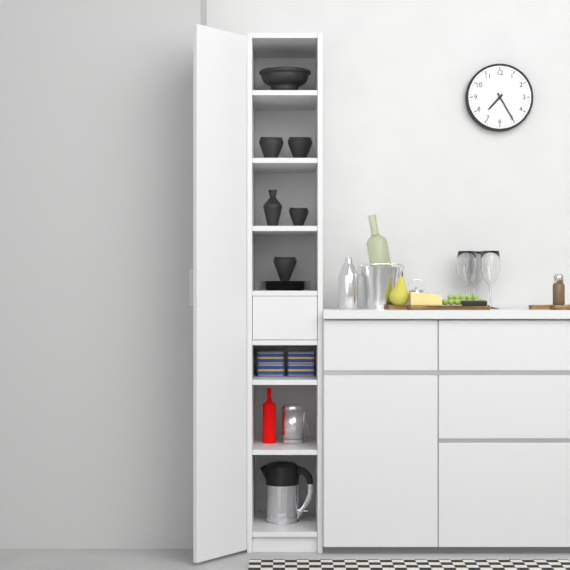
{"hour": 7, "minute": 25}
